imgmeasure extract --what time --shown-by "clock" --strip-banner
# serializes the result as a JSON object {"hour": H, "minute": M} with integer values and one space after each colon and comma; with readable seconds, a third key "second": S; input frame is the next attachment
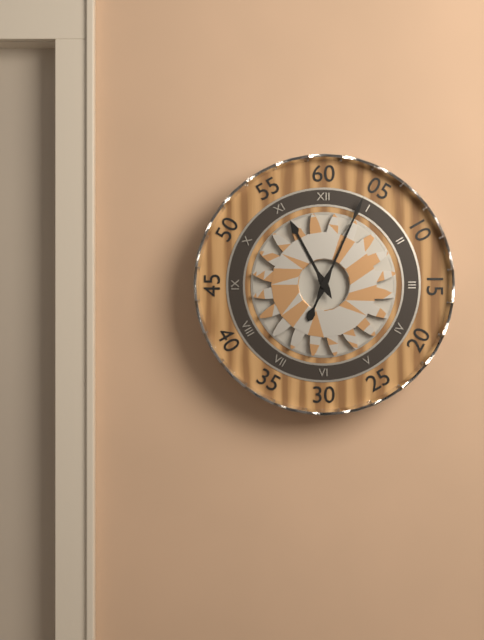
{"hour": 11, "minute": 4}
